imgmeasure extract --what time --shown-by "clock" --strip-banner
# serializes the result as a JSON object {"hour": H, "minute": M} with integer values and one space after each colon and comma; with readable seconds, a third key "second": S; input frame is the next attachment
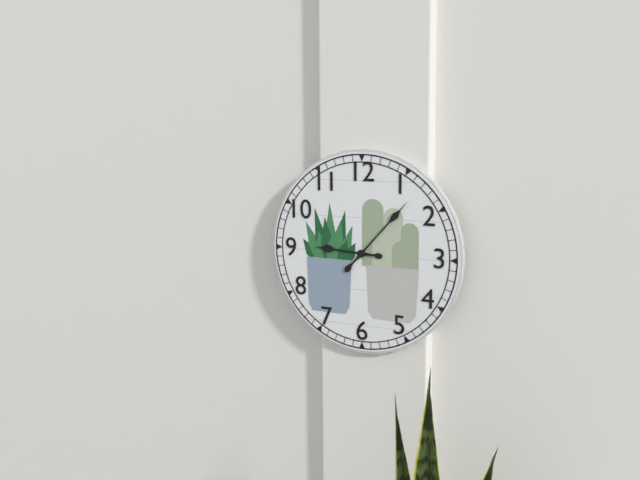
{"hour": 9, "minute": 7}
